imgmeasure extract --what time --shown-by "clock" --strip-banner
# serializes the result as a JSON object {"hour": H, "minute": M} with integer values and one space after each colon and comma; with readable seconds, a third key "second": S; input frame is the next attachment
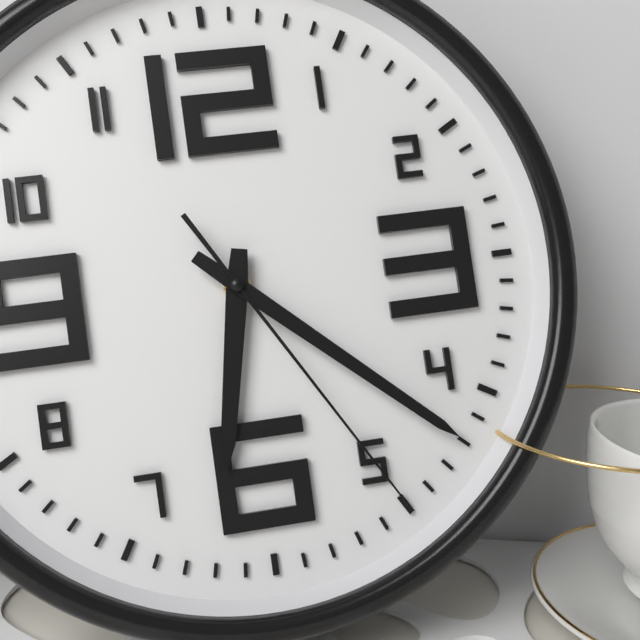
{"hour": 6, "minute": 22, "second": 25}
